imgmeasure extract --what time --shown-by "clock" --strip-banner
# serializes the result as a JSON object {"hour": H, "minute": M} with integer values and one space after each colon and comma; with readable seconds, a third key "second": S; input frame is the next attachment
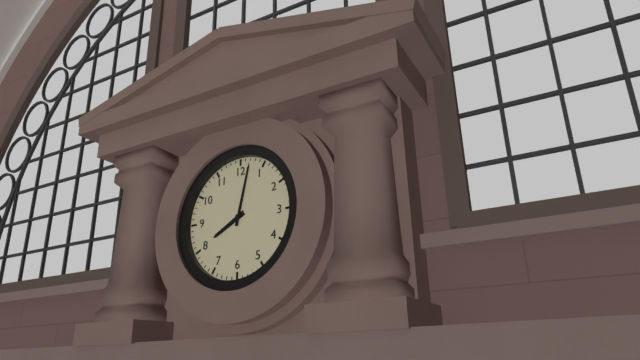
{"hour": 8, "minute": 2}
